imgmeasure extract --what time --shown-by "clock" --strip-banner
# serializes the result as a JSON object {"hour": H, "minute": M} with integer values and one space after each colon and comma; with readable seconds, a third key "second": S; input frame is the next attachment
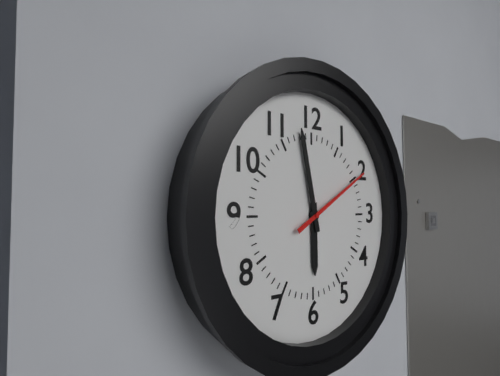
{"hour": 5, "minute": 58, "second": 10}
